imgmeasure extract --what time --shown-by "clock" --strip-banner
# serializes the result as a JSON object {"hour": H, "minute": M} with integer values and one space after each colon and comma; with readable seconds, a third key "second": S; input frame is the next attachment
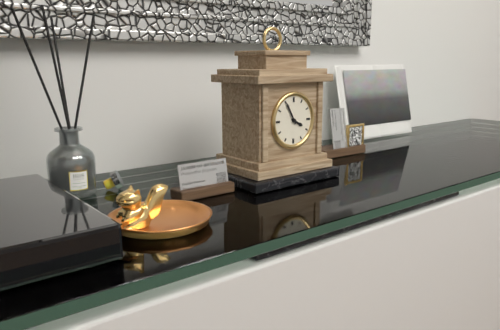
{"hour": 3, "minute": 55}
